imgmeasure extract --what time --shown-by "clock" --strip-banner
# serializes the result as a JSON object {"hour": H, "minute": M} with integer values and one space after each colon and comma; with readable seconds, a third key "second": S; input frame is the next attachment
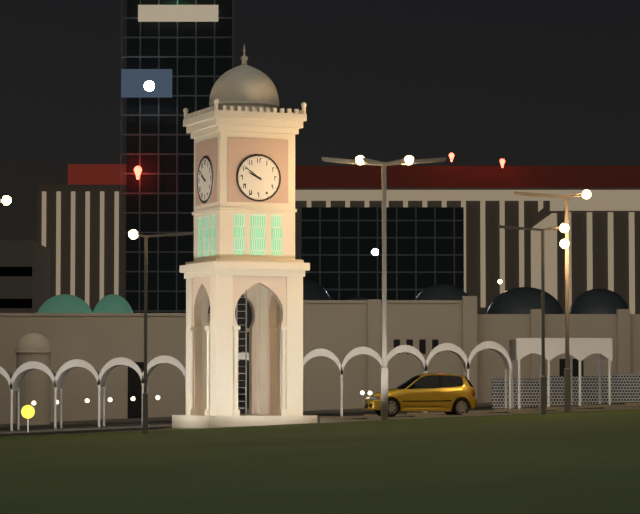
{"hour": 9, "minute": 51}
